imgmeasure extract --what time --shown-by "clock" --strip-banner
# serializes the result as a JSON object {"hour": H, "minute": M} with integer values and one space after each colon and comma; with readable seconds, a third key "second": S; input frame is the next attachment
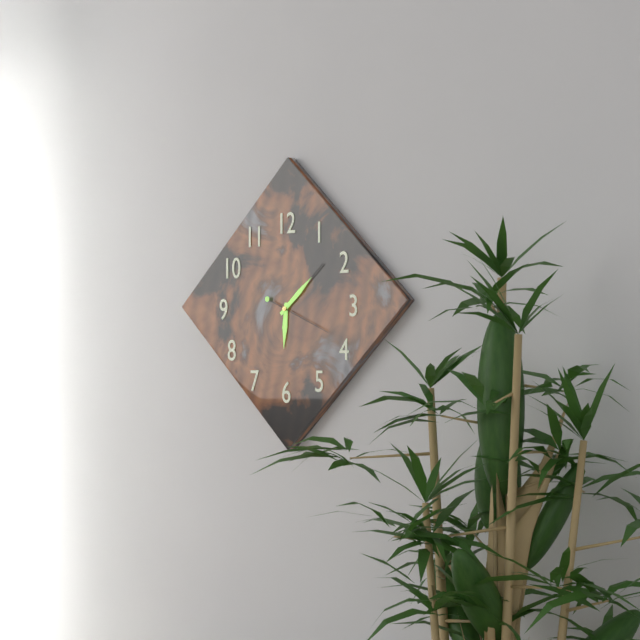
{"hour": 6, "minute": 8, "second": 19}
